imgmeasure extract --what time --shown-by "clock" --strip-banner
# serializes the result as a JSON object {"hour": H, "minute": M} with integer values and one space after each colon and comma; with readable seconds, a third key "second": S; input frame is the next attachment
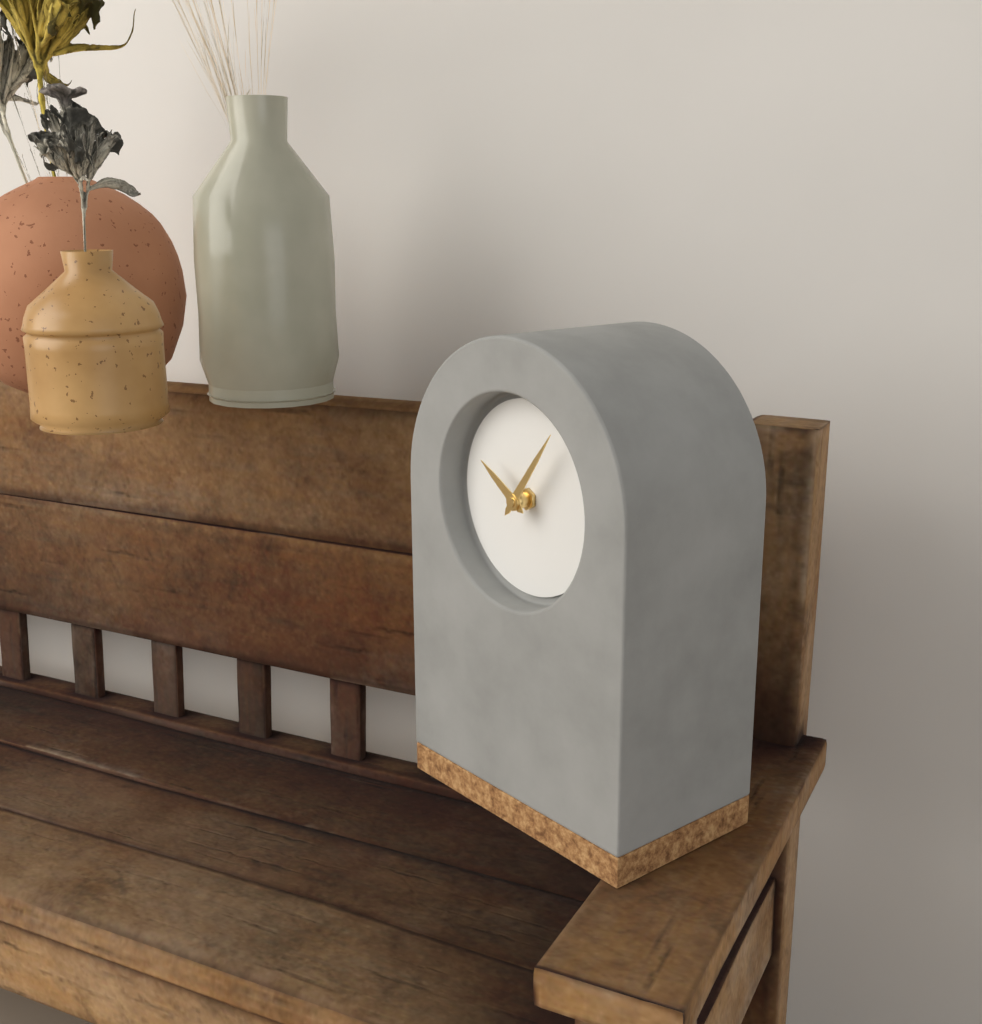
{"hour": 10, "minute": 6}
